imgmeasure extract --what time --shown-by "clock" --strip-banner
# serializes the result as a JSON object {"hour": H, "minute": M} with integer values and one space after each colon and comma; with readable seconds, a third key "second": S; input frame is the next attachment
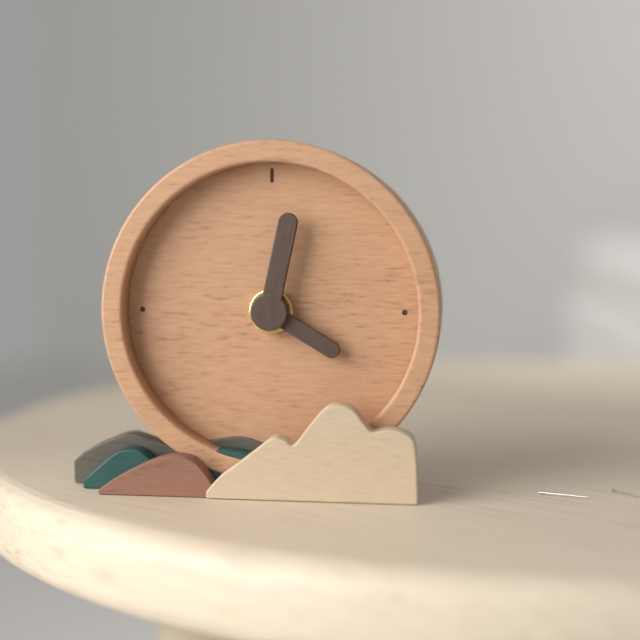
{"hour": 4, "minute": 2}
